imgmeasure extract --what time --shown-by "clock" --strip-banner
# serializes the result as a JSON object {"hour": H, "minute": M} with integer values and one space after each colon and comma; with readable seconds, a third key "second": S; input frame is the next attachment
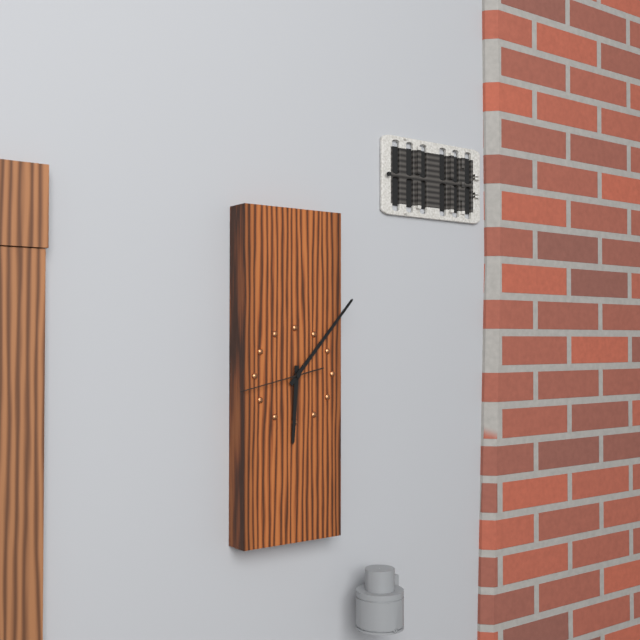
{"hour": 6, "minute": 7, "second": 43}
